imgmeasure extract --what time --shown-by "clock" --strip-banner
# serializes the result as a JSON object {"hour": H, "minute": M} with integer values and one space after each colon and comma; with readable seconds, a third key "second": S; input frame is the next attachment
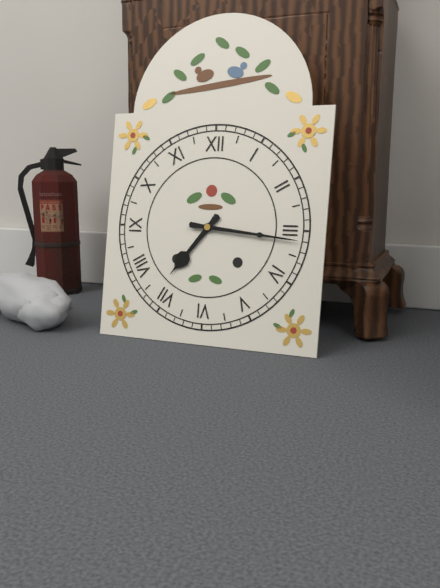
{"hour": 7, "minute": 16}
